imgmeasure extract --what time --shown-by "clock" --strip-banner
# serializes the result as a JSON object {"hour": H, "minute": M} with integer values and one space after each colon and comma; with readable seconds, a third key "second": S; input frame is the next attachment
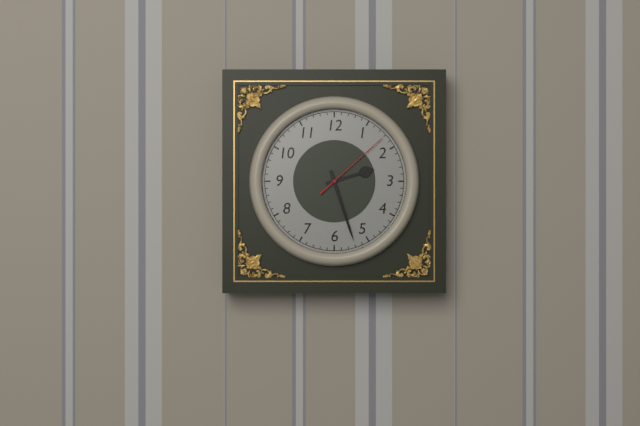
{"hour": 2, "minute": 27, "second": 8}
